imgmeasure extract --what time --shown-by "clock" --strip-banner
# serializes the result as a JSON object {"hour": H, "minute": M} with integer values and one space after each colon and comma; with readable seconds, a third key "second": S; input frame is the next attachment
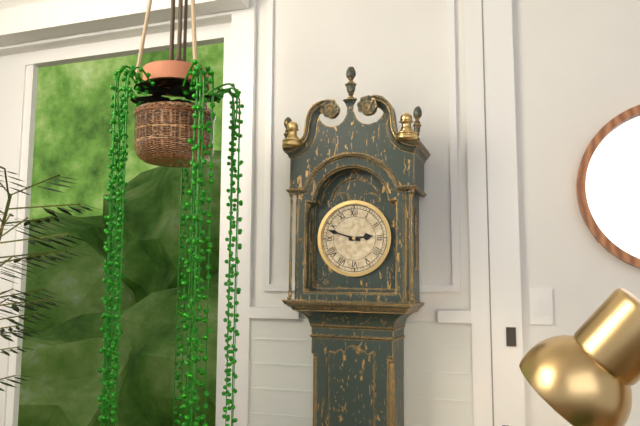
{"hour": 2, "minute": 48}
